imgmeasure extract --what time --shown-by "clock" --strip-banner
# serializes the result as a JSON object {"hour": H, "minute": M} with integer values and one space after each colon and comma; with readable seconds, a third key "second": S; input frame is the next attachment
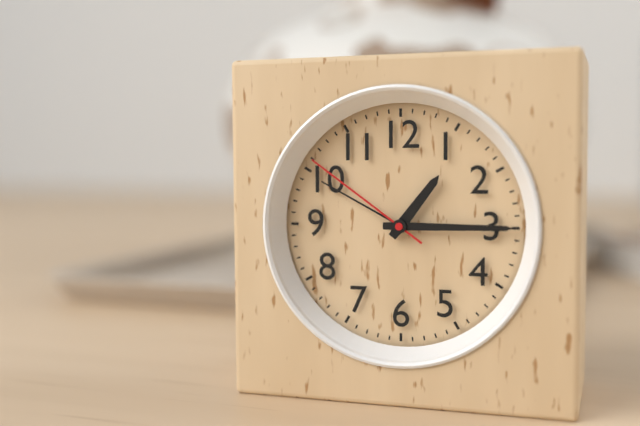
{"hour": 1, "minute": 15, "second": 51}
